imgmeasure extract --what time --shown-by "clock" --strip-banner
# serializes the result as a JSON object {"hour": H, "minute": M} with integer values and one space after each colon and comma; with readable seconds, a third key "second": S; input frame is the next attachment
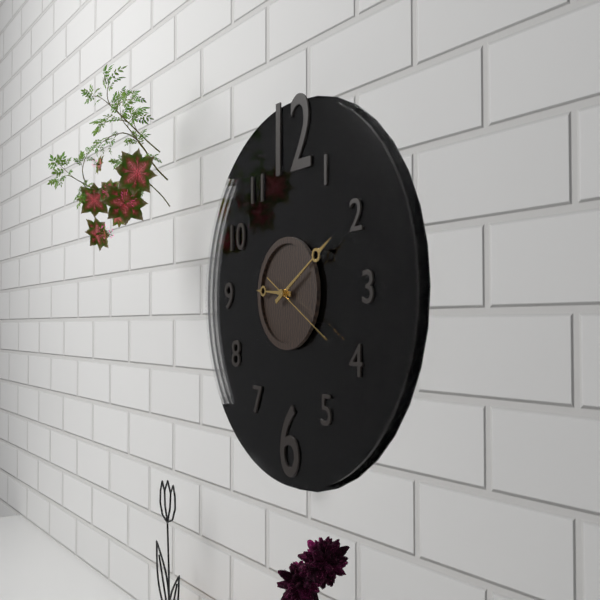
{"hour": 9, "minute": 10, "second": 20}
